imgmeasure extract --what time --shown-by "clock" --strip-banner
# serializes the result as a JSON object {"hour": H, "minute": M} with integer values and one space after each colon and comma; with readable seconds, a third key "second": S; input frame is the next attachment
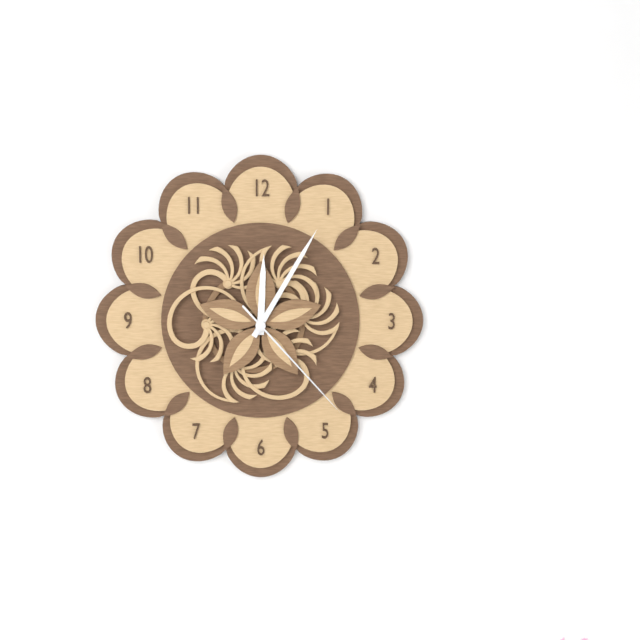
{"hour": 12, "minute": 5, "second": 23}
